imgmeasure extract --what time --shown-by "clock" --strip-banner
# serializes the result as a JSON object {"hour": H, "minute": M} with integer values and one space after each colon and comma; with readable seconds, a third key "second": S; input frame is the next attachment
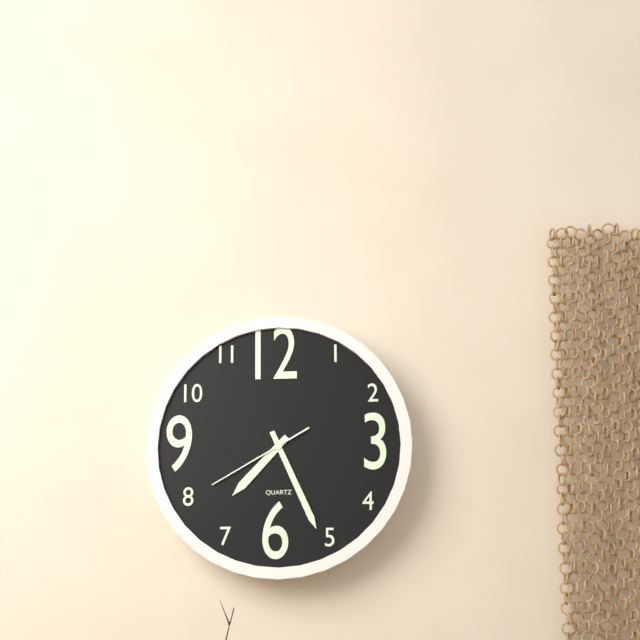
{"hour": 7, "minute": 26, "second": 40}
